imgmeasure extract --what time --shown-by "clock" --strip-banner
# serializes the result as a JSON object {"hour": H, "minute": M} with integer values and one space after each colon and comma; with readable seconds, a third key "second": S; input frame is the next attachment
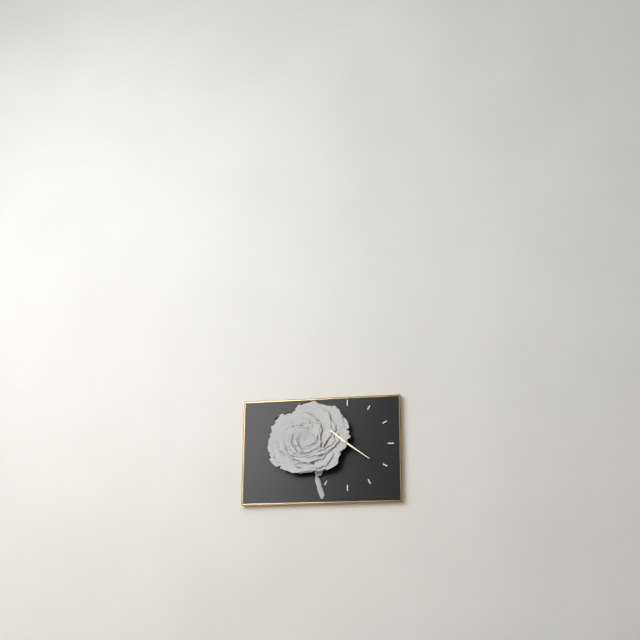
{"hour": 10, "minute": 21}
